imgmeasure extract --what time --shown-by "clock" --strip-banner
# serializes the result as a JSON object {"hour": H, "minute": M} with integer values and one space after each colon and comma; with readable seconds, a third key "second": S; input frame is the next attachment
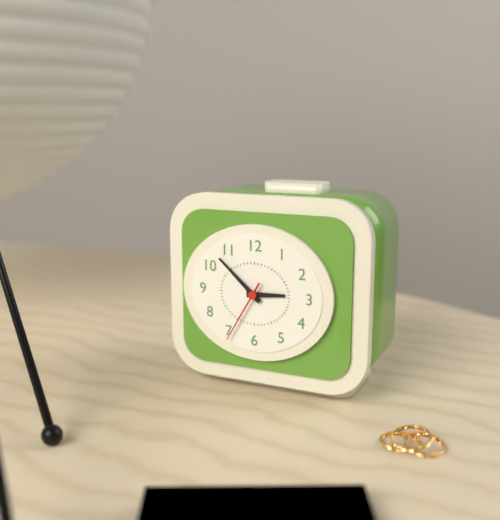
{"hour": 2, "minute": 52, "second": 35}
